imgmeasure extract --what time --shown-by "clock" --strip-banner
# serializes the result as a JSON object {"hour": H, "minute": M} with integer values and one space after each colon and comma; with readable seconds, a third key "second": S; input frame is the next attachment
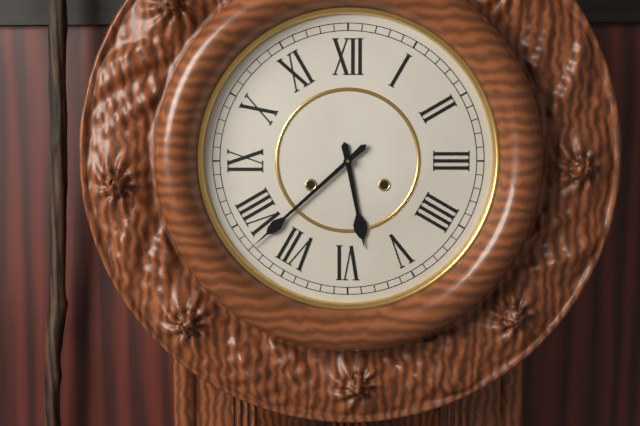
{"hour": 5, "minute": 38}
